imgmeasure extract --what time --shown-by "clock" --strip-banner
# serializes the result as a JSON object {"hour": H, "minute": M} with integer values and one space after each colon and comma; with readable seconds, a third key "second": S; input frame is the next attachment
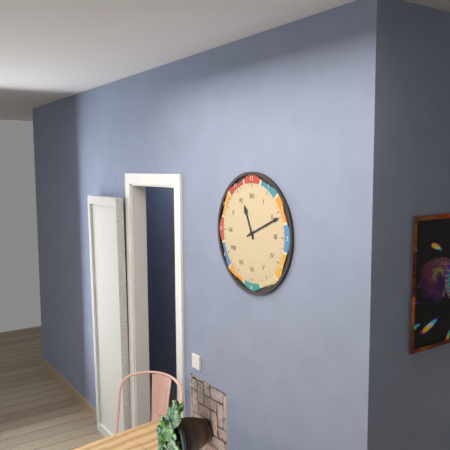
{"hour": 11, "minute": 11}
